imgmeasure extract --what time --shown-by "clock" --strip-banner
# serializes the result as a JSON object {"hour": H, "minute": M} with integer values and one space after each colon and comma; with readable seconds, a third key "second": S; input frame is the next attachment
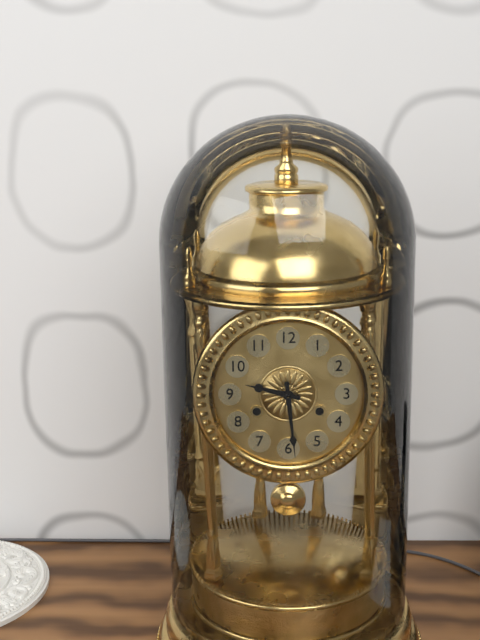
{"hour": 9, "minute": 29}
